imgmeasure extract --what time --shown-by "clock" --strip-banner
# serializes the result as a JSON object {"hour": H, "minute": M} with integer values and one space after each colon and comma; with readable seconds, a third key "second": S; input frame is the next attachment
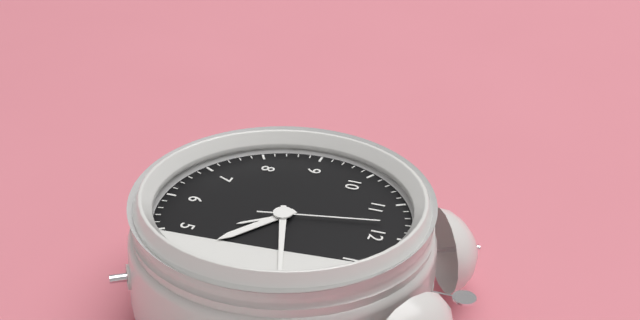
{"hour": 4, "minute": 12, "second": 58}
